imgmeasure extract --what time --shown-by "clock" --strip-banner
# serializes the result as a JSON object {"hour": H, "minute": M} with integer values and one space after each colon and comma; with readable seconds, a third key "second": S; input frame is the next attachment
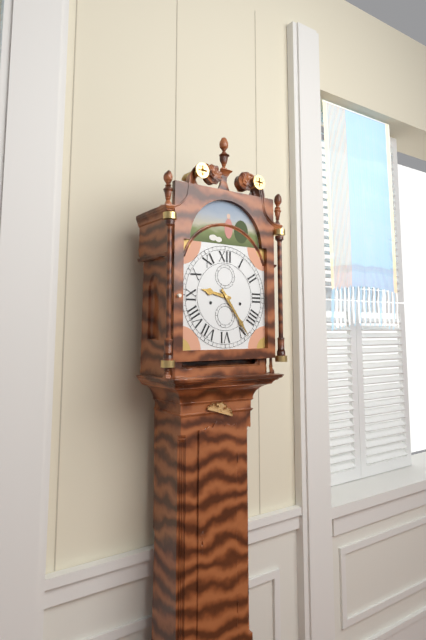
{"hour": 9, "minute": 24}
